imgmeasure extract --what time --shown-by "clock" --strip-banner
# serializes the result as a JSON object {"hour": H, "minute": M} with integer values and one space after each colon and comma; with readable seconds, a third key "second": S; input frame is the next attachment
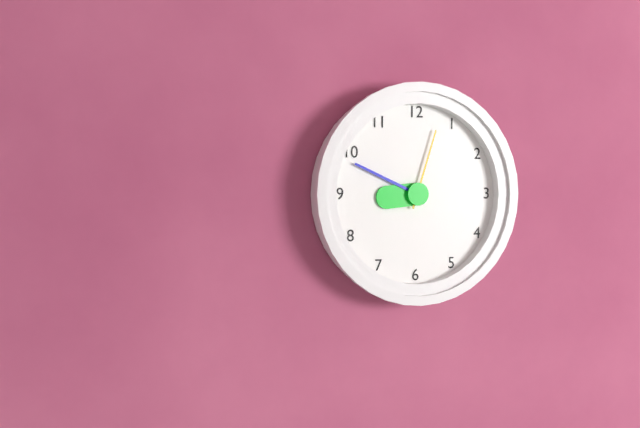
{"hour": 8, "minute": 49, "second": 3}
